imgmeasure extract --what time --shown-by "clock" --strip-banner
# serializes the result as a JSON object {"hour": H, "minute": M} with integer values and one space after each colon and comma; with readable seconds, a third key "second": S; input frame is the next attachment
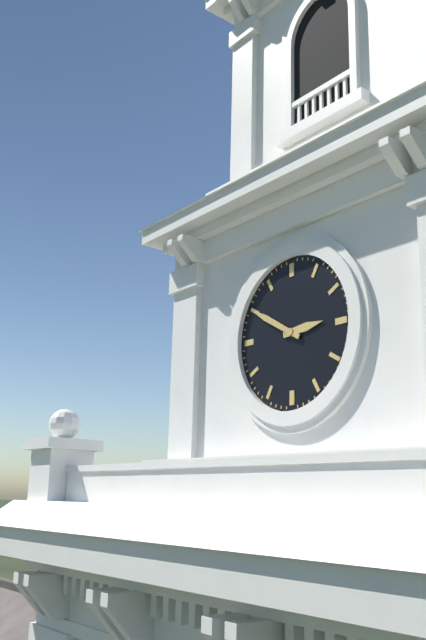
{"hour": 2, "minute": 50}
